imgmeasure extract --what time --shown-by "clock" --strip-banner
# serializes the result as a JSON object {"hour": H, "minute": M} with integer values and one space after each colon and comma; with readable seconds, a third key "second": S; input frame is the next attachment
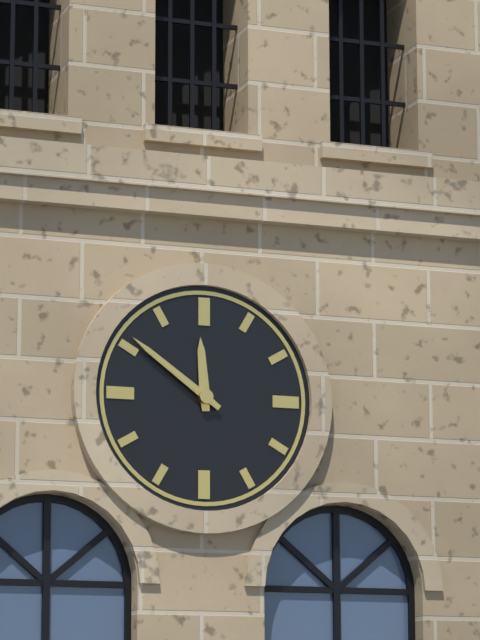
{"hour": 11, "minute": 51}
